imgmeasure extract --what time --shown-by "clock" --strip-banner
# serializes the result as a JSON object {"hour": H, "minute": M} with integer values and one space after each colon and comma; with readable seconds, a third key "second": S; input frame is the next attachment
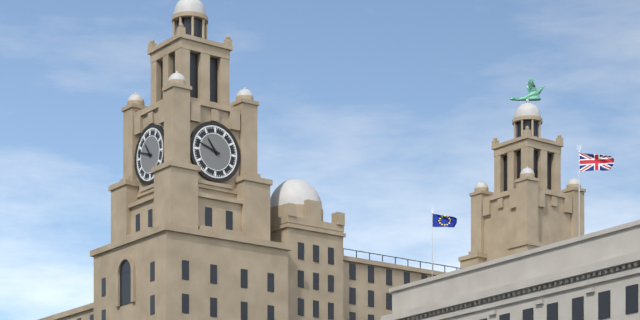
{"hour": 10, "minute": 48}
